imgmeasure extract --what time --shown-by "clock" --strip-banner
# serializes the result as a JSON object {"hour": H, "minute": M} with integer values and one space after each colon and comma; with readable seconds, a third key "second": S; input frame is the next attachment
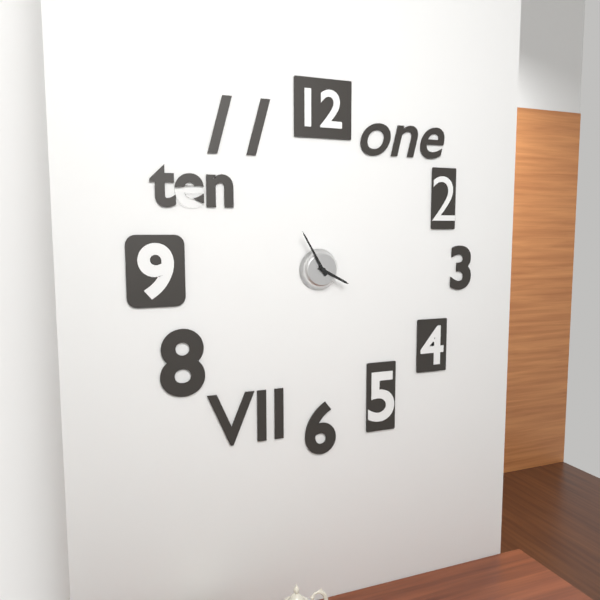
{"hour": 3, "minute": 55}
